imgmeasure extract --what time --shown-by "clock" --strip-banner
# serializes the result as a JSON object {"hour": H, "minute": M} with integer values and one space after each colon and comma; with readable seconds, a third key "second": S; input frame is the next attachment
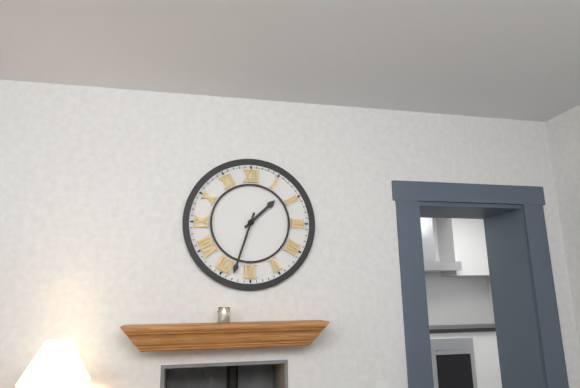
{"hour": 1, "minute": 33}
